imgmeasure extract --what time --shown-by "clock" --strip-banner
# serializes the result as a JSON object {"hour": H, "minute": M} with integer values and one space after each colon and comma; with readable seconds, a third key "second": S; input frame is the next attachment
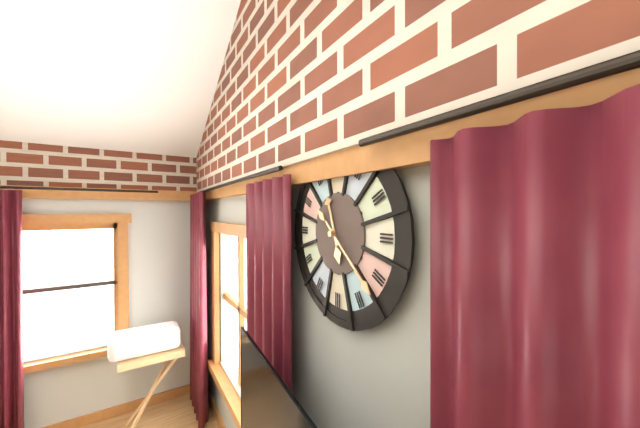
{"hour": 11, "minute": 22}
